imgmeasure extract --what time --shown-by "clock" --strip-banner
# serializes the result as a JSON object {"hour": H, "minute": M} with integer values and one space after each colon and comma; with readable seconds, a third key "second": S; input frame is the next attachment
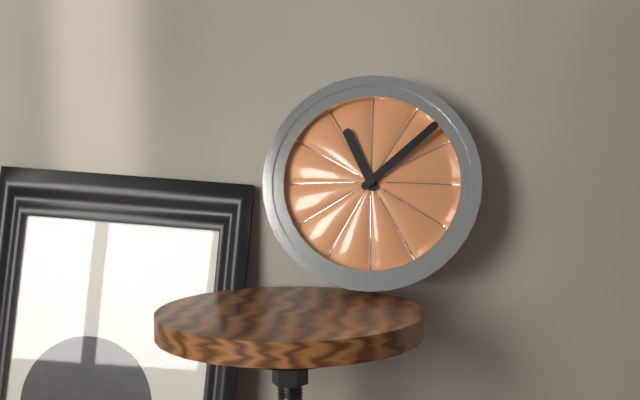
{"hour": 11, "minute": 8}
